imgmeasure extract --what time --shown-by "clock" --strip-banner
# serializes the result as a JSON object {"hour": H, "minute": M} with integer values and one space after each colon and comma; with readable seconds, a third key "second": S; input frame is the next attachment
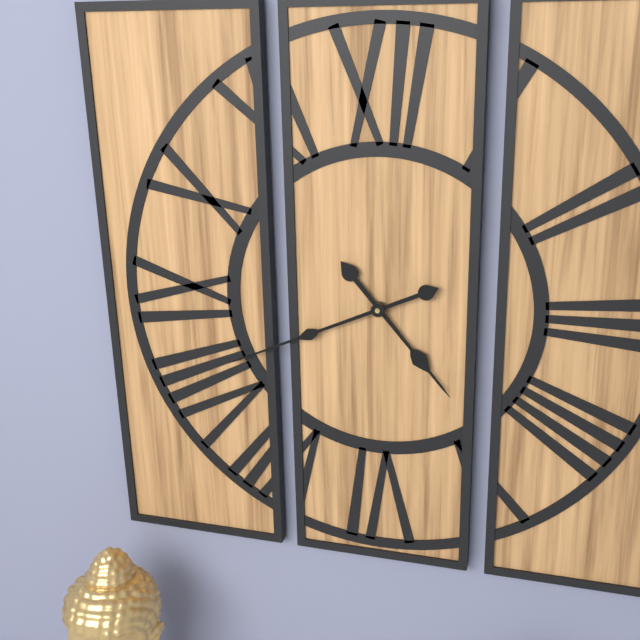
{"hour": 4, "minute": 41}
